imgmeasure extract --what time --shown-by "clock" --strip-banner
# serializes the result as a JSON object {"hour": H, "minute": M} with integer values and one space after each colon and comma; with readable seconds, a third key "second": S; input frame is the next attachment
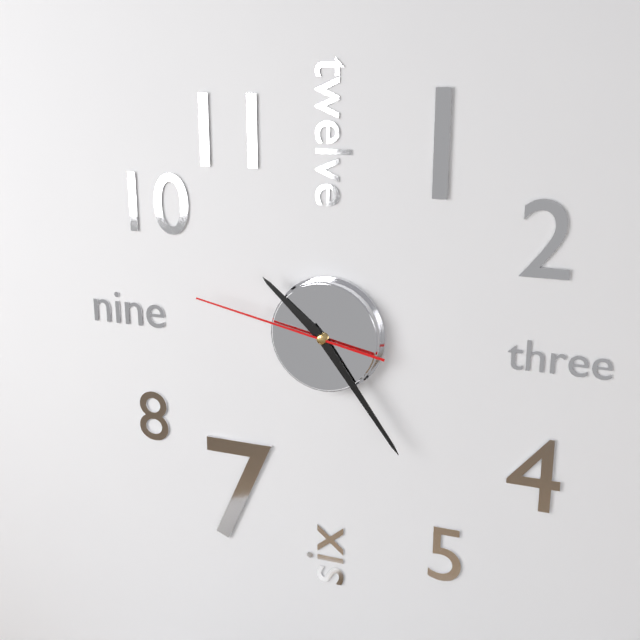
{"hour": 10, "minute": 24, "second": 47}
